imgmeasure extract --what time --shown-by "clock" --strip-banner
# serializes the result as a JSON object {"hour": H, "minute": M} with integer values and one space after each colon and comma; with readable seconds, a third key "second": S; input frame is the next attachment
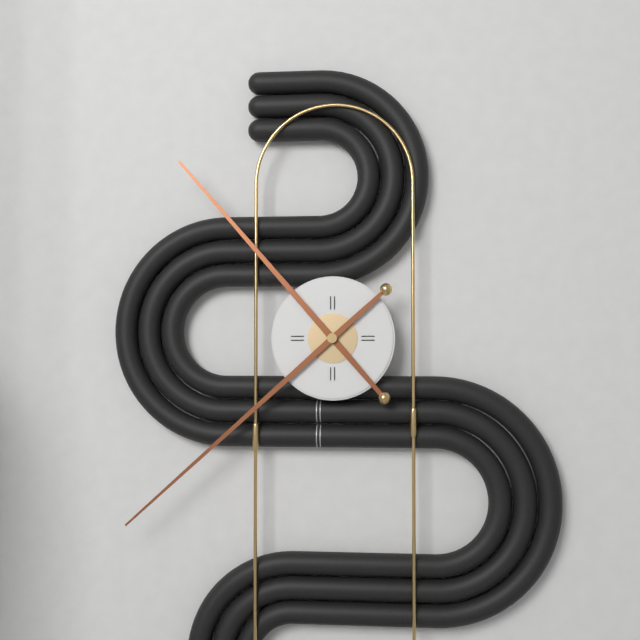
{"hour": 10, "minute": 38}
